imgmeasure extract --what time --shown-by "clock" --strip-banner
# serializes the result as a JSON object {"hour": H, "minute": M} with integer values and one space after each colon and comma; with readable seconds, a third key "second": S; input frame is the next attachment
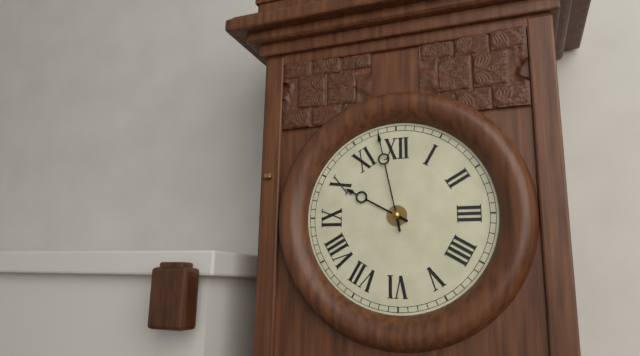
{"hour": 9, "minute": 58}
